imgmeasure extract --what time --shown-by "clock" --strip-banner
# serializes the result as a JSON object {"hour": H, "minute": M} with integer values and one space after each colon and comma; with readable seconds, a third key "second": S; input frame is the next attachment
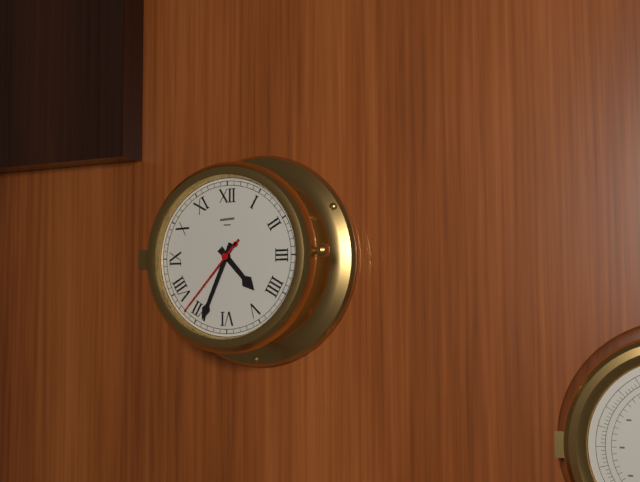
{"hour": 4, "minute": 34, "second": 37}
